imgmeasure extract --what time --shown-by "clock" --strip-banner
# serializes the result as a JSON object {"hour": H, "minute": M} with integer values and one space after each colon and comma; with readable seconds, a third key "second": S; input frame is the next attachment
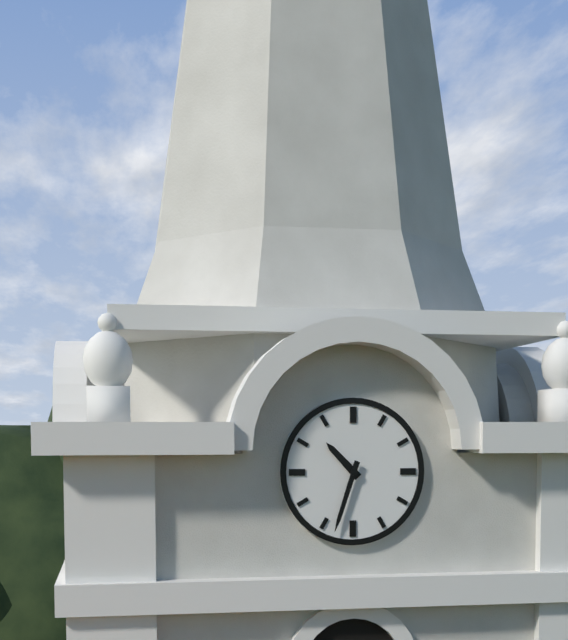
{"hour": 10, "minute": 33}
